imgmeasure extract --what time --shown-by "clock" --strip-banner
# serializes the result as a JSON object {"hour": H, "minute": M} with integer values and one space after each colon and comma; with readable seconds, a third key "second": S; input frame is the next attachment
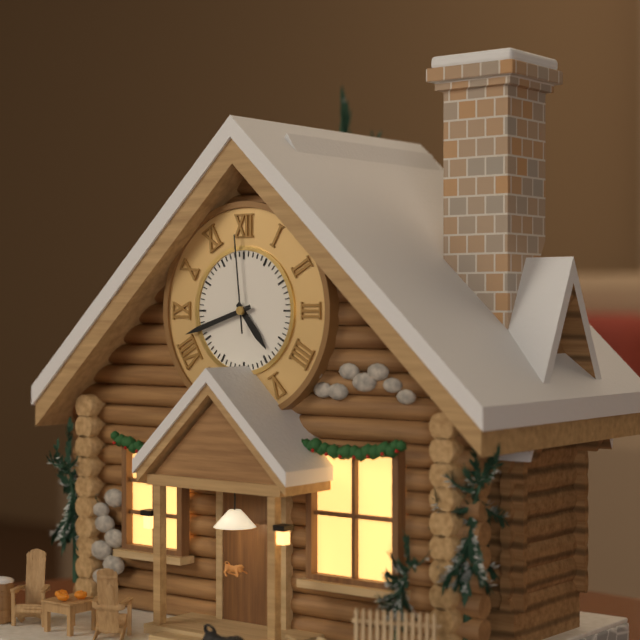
{"hour": 4, "minute": 42, "second": 59}
